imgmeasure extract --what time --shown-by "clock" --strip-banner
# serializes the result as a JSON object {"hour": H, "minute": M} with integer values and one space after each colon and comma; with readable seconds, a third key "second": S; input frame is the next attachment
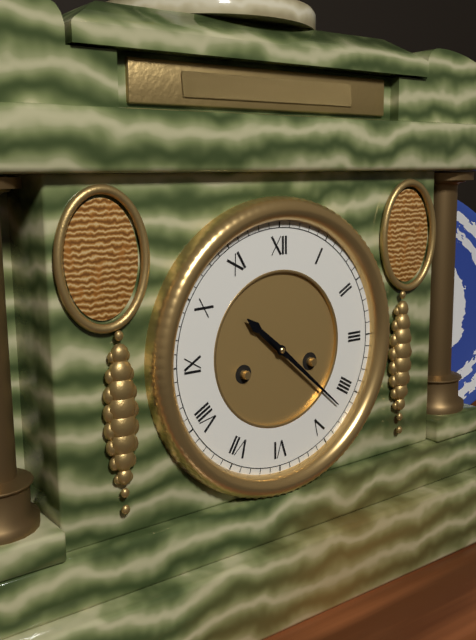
{"hour": 10, "minute": 22}
